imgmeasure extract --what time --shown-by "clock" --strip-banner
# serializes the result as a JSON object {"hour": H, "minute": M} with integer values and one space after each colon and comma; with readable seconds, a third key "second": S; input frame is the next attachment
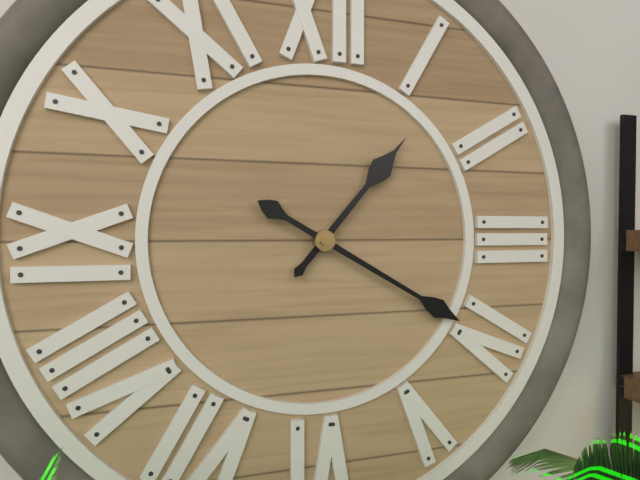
{"hour": 1, "minute": 20}
